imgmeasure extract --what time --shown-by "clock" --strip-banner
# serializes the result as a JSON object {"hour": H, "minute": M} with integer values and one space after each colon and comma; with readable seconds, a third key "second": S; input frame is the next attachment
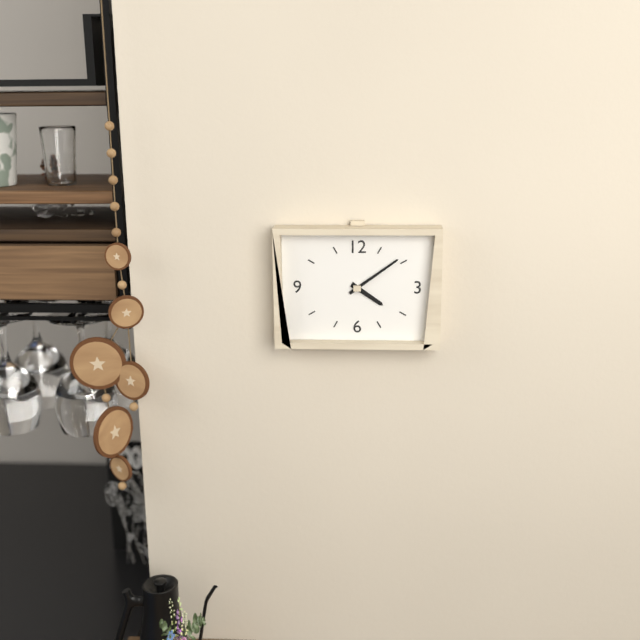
{"hour": 4, "minute": 9}
